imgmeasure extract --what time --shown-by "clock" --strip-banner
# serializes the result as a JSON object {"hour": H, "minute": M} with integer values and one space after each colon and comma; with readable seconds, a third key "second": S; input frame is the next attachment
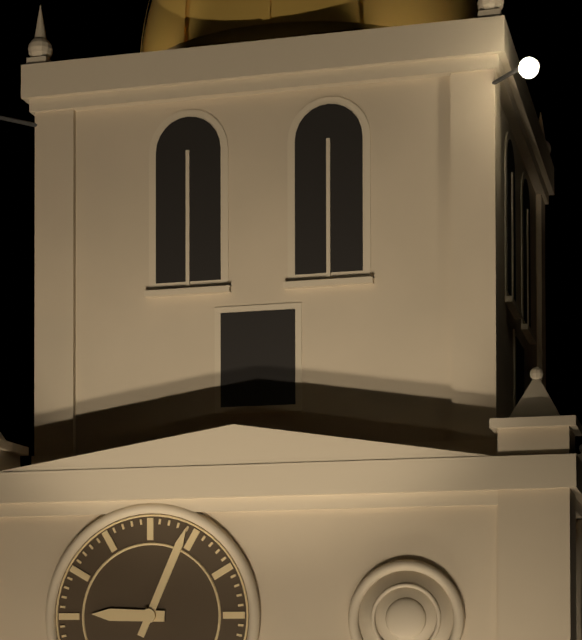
{"hour": 9, "minute": 4}
